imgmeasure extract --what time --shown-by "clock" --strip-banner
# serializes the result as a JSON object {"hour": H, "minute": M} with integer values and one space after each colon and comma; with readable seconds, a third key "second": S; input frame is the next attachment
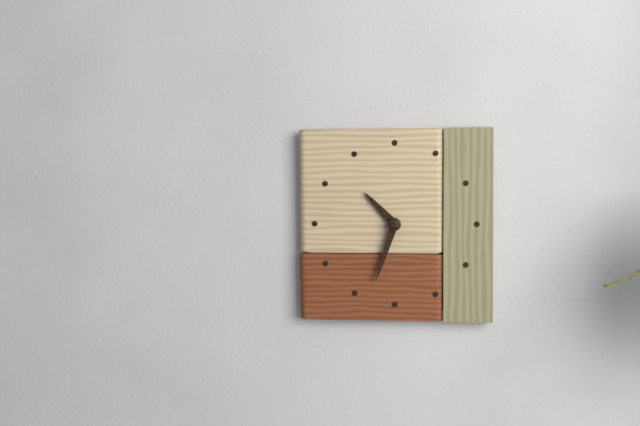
{"hour": 10, "minute": 33}
